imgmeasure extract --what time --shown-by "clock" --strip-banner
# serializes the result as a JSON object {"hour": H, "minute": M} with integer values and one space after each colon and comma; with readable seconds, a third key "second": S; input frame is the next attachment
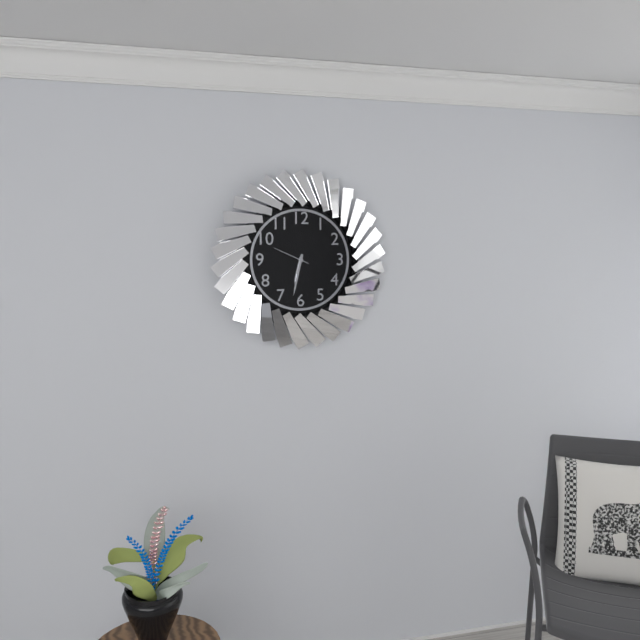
{"hour": 6, "minute": 32}
